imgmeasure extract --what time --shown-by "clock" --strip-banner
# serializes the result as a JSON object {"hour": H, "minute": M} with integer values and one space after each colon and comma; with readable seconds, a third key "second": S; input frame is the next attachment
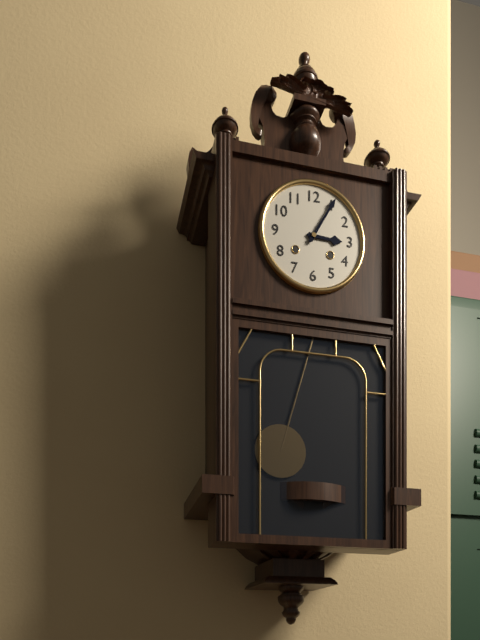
{"hour": 3, "minute": 5}
